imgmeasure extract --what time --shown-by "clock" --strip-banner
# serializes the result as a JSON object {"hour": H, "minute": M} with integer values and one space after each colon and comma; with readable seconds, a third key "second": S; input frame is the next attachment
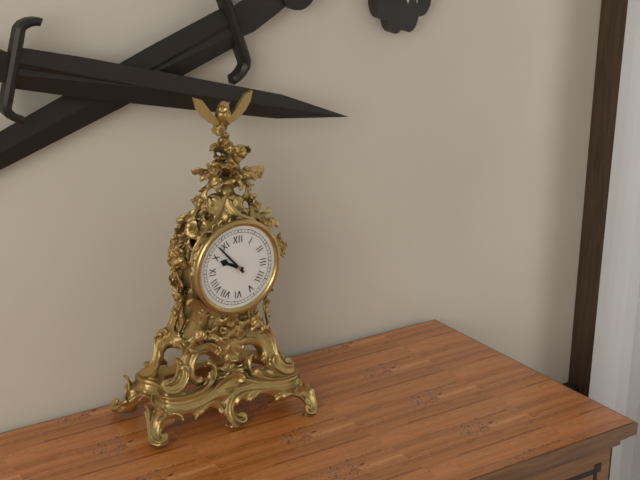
{"hour": 9, "minute": 53}
